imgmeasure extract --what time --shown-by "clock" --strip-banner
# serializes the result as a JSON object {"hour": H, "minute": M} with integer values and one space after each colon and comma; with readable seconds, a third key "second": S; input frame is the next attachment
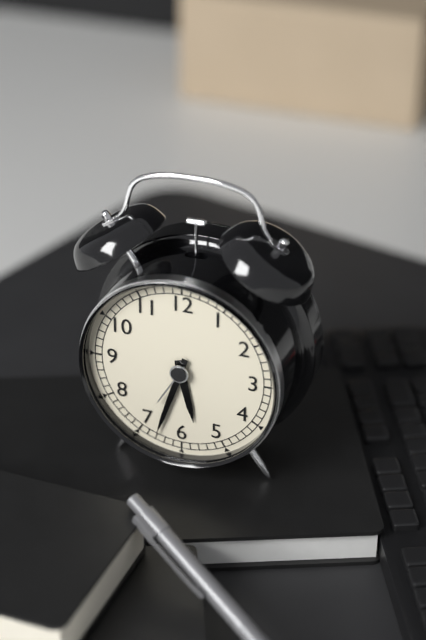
{"hour": 5, "minute": 33}
